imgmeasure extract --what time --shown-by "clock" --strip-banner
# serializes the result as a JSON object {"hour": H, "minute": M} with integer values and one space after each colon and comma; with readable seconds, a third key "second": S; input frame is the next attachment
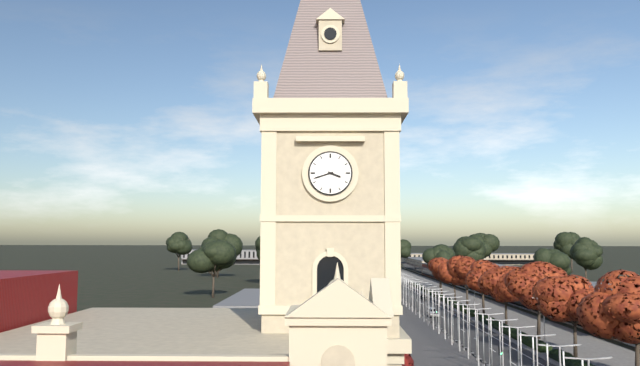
{"hour": 3, "minute": 42}
